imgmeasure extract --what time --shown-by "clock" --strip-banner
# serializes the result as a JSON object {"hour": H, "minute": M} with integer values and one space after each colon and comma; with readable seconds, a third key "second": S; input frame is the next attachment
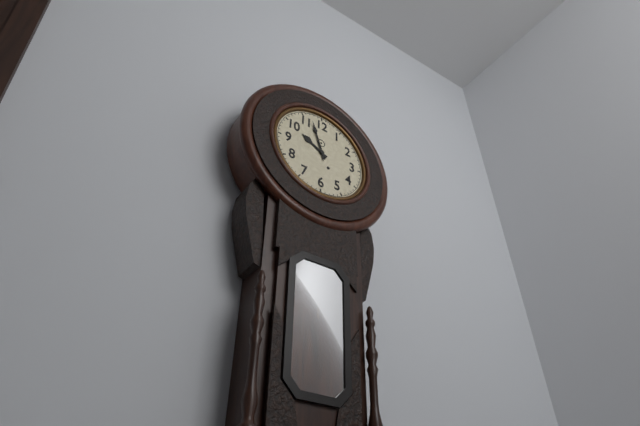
{"hour": 9, "minute": 57}
